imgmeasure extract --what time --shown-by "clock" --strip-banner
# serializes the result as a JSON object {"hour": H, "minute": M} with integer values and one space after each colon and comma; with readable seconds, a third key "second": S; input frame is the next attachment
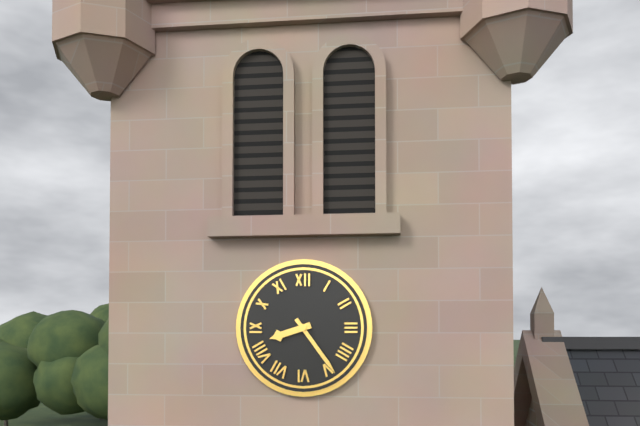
{"hour": 8, "minute": 24}
